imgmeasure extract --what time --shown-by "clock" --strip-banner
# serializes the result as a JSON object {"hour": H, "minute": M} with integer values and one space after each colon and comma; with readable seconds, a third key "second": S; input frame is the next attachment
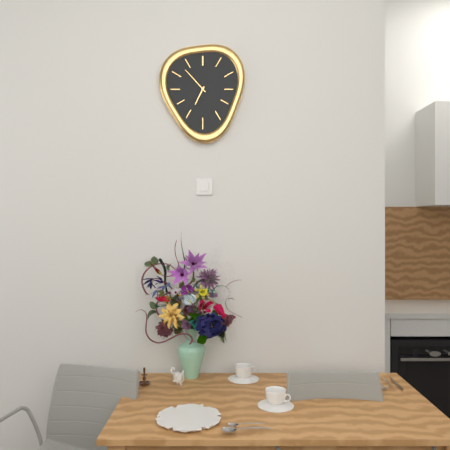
{"hour": 6, "minute": 53}
